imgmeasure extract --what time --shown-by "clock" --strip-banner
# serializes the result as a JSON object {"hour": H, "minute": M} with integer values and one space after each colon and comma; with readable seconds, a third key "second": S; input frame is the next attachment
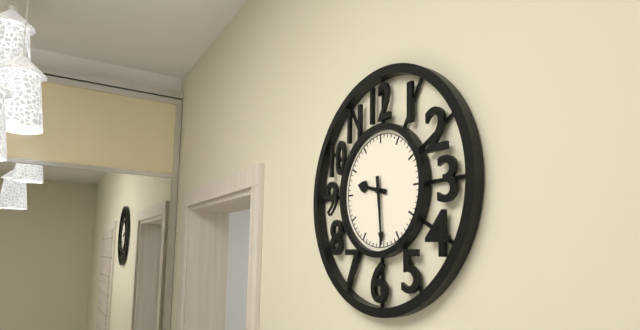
{"hour": 9, "minute": 29}
